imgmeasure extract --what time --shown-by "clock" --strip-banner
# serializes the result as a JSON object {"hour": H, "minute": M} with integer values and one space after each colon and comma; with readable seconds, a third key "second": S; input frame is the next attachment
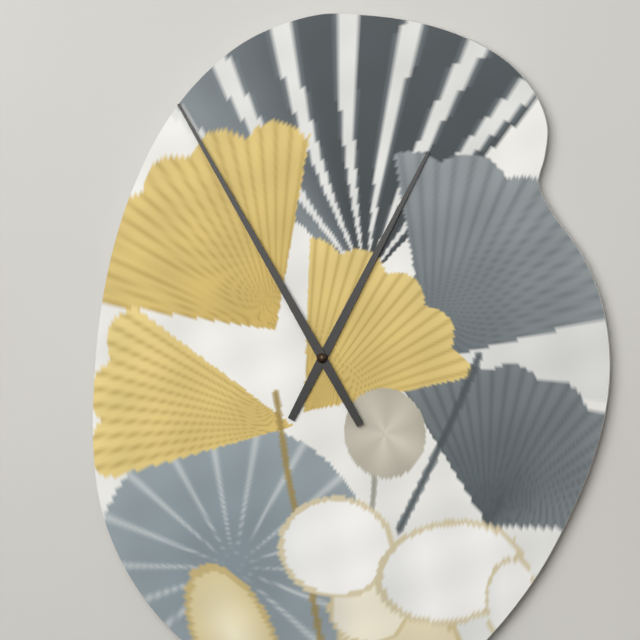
{"hour": 12, "minute": 55}
